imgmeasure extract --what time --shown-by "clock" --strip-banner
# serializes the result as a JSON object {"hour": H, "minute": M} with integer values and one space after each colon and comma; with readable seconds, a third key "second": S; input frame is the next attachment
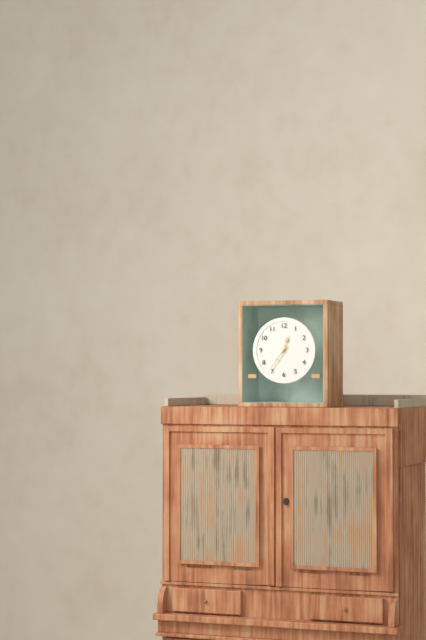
{"hour": 12, "minute": 36}
